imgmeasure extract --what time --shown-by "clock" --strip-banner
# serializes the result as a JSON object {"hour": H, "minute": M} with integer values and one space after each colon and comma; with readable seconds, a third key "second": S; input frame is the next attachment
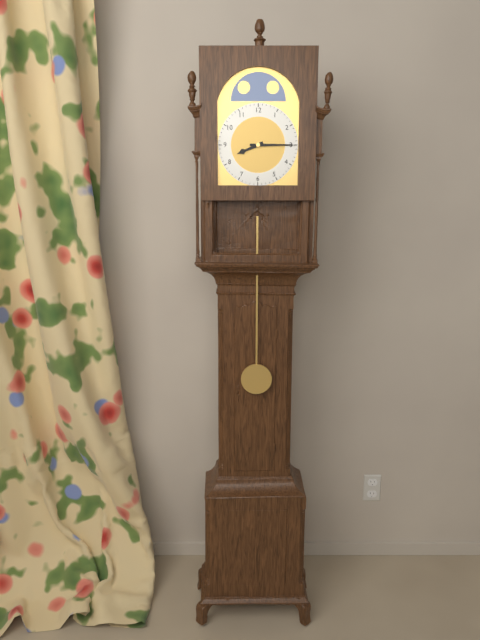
{"hour": 8, "minute": 15}
